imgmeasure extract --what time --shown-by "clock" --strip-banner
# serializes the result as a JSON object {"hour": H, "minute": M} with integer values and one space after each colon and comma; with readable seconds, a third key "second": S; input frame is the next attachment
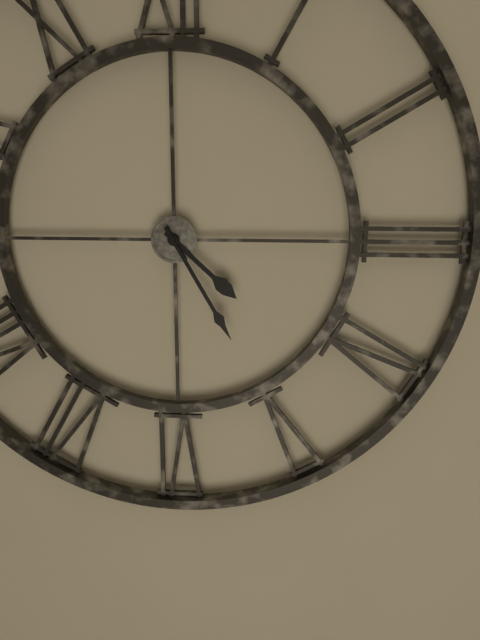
{"hour": 4, "minute": 25}
